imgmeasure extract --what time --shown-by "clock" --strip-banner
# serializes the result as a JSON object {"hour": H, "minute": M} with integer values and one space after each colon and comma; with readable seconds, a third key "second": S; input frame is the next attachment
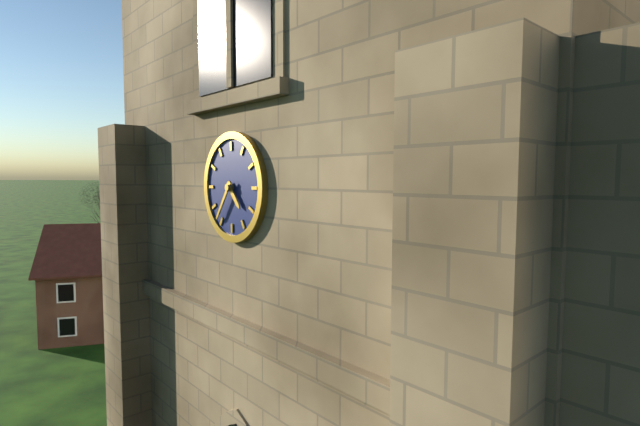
{"hour": 4, "minute": 36}
